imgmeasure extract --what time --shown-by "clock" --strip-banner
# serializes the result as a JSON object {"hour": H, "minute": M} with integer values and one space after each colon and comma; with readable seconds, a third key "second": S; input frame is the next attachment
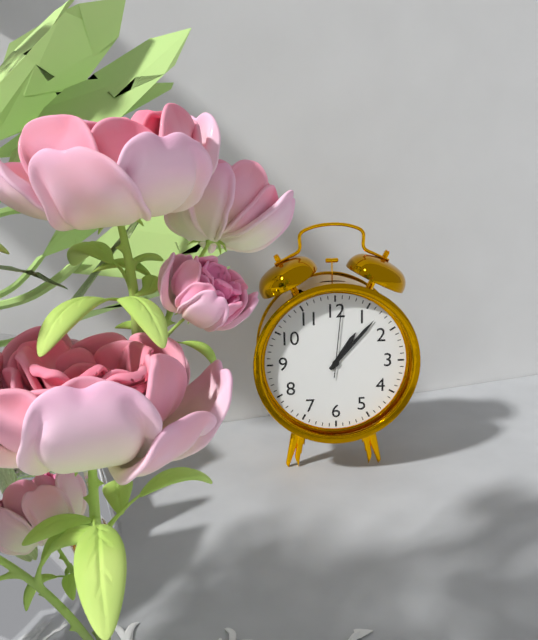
{"hour": 1, "minute": 7, "second": 1}
